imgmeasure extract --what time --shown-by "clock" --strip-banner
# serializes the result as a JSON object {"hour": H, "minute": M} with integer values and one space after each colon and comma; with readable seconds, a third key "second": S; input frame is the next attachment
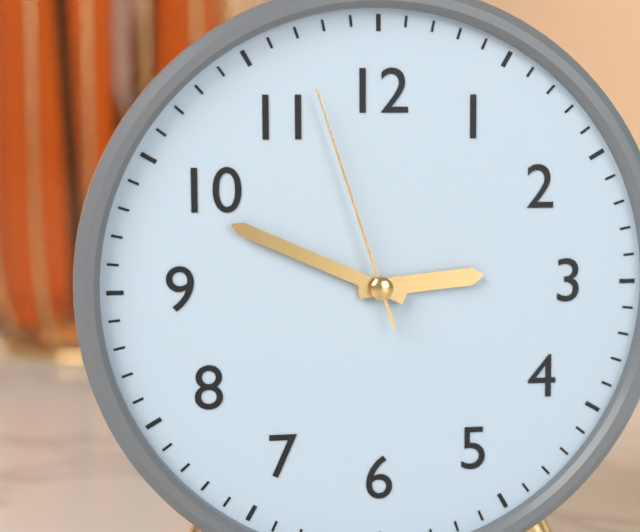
{"hour": 2, "minute": 49, "second": 57}
